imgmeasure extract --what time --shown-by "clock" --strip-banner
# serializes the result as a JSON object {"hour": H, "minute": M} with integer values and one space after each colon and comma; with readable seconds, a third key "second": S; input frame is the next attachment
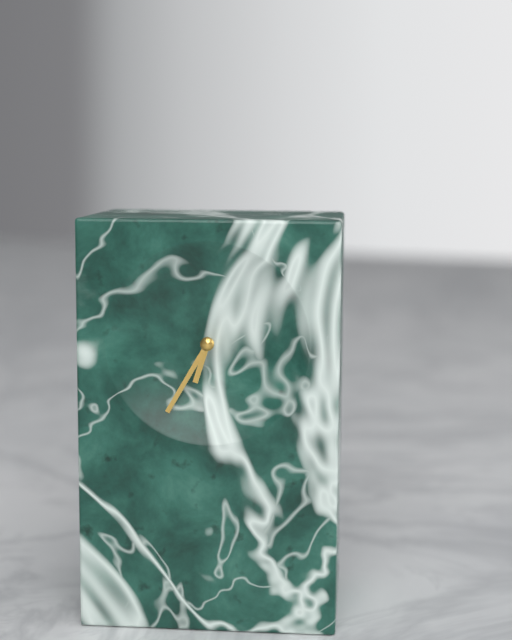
{"hour": 6, "minute": 35}
